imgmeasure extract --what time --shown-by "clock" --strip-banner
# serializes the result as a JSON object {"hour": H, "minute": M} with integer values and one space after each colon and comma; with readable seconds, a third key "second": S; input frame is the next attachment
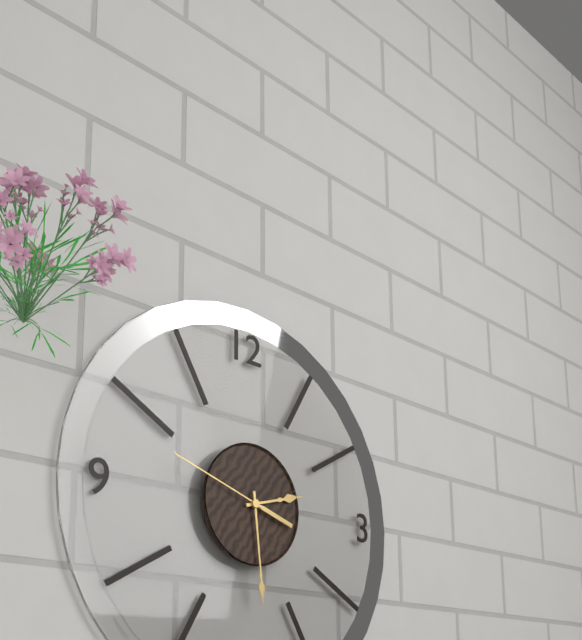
{"hour": 2, "minute": 29, "second": 48}
